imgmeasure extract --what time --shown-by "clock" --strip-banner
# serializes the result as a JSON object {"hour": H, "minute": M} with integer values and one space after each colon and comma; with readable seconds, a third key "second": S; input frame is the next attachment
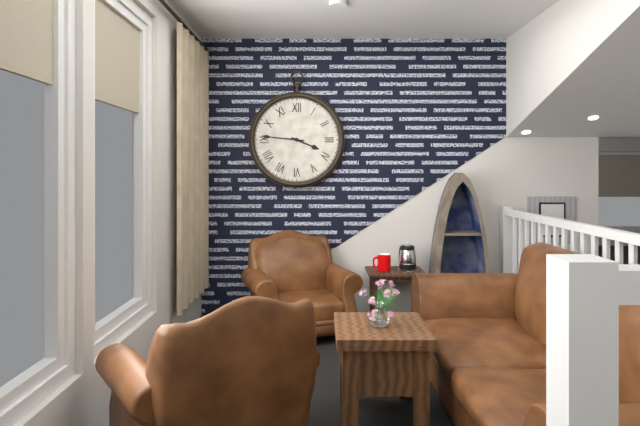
{"hour": 3, "minute": 46}
